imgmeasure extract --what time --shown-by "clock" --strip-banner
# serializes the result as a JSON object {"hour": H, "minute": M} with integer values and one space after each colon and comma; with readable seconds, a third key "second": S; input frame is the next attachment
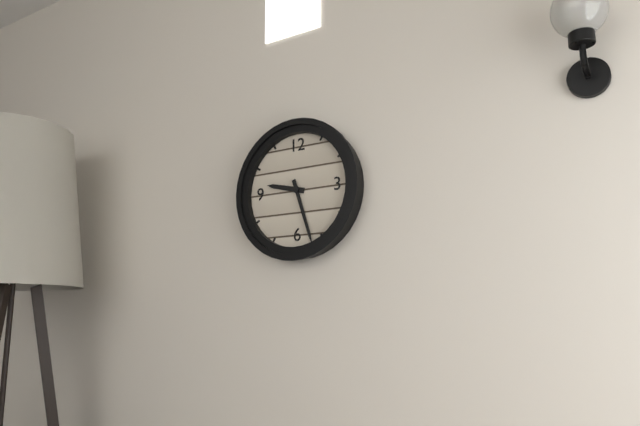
{"hour": 9, "minute": 27}
